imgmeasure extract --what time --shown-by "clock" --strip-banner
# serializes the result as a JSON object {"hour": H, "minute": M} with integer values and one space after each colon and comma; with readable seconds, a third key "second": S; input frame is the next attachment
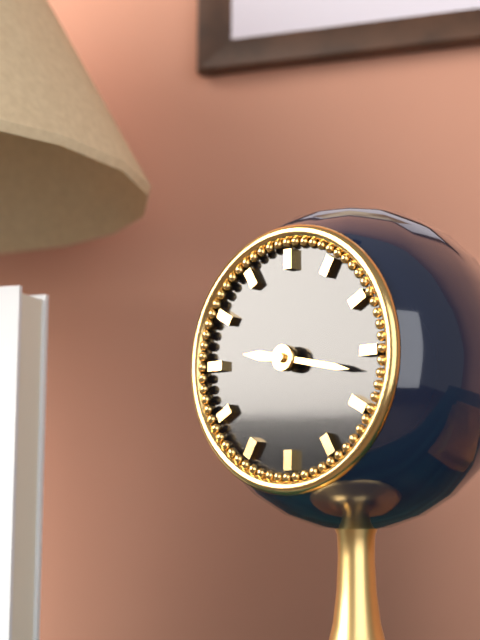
{"hour": 9, "minute": 17}
